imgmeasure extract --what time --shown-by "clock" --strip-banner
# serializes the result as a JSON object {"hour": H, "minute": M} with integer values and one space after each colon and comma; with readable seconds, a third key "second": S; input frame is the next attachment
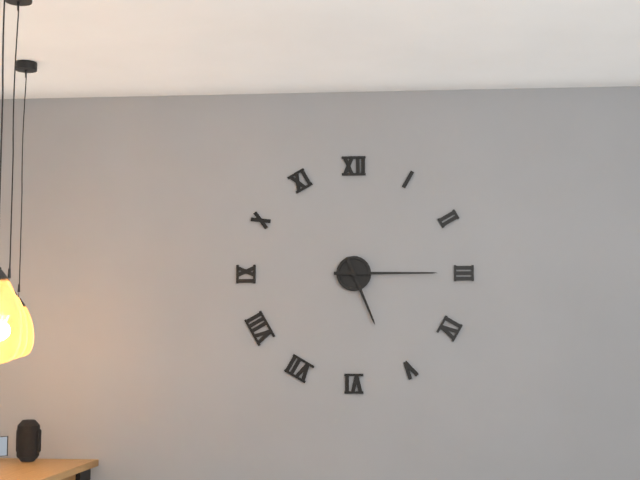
{"hour": 5, "minute": 15}
